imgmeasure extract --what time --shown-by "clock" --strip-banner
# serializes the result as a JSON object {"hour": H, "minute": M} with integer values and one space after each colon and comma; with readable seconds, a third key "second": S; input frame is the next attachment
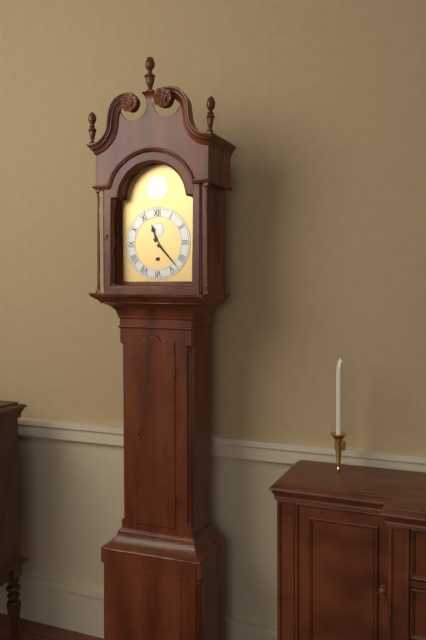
{"hour": 11, "minute": 23}
